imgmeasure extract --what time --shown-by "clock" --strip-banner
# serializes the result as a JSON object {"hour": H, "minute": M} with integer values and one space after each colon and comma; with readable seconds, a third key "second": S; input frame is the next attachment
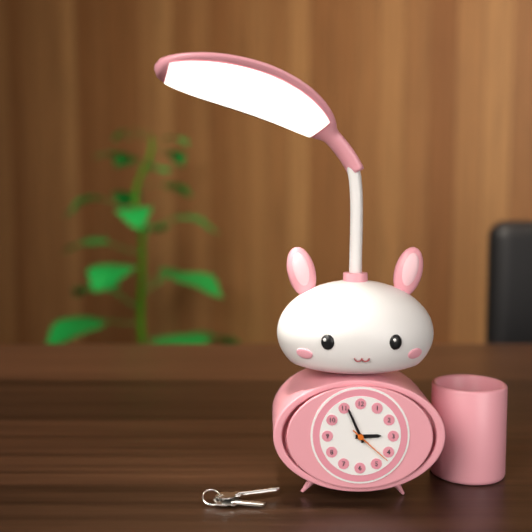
{"hour": 2, "minute": 56}
